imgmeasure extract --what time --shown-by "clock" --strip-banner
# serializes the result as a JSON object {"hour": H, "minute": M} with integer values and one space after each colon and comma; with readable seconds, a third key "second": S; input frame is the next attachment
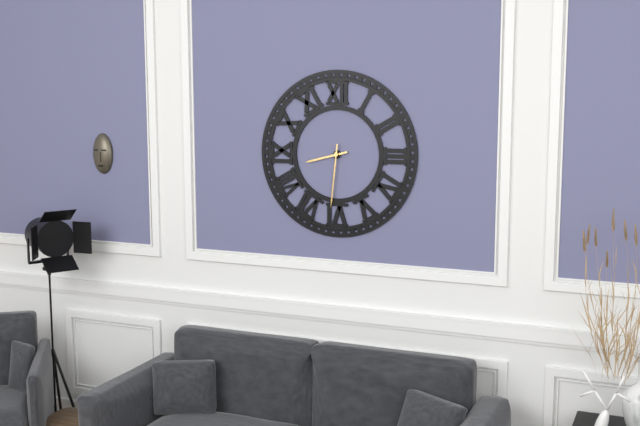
{"hour": 8, "minute": 31}
